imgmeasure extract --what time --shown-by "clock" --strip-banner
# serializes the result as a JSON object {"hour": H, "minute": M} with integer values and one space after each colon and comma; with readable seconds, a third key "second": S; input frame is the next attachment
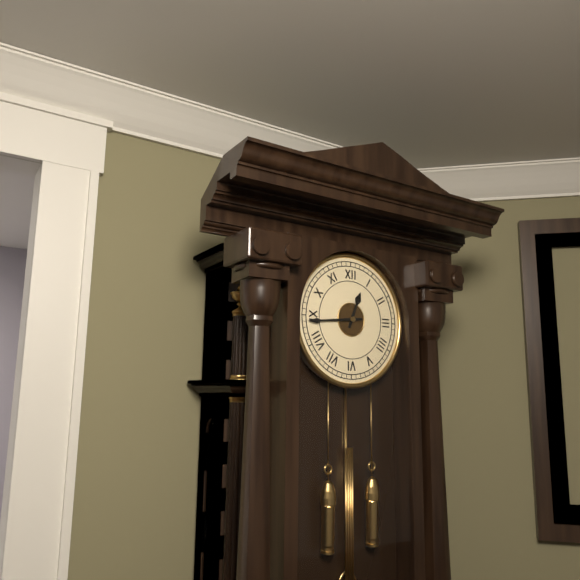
{"hour": 12, "minute": 44}
